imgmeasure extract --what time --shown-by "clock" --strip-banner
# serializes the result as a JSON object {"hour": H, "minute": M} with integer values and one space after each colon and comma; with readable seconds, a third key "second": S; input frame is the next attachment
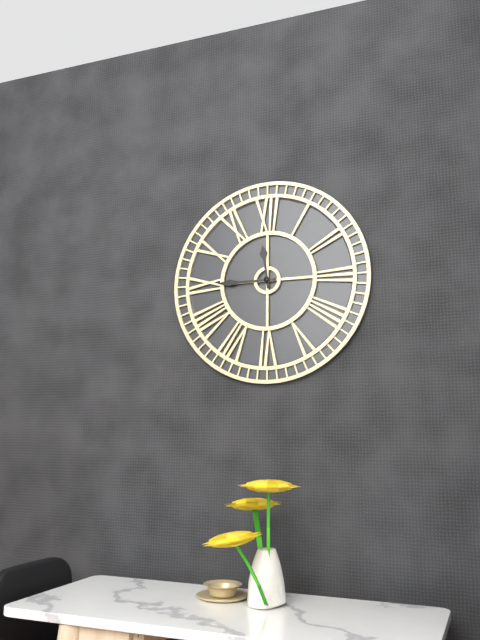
{"hour": 11, "minute": 45}
